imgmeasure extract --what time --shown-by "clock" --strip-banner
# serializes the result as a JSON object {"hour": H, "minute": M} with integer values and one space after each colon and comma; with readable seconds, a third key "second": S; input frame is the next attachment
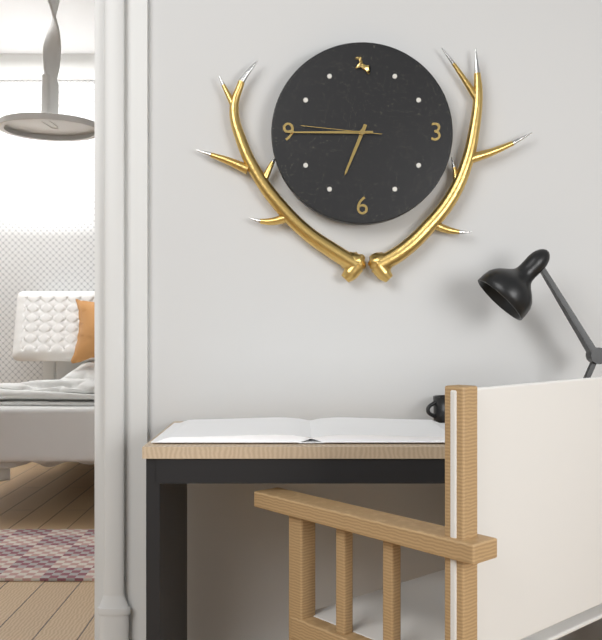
{"hour": 6, "minute": 45, "second": 46}
